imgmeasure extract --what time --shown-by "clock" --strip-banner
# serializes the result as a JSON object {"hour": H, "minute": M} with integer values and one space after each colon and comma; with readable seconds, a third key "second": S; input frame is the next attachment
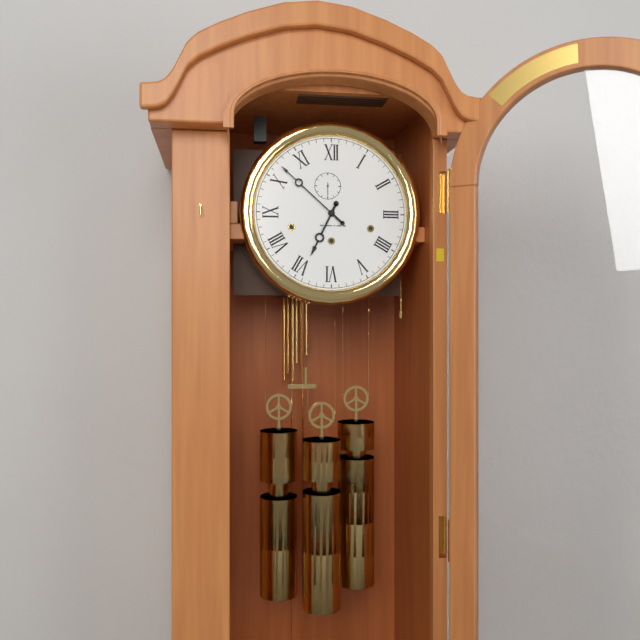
{"hour": 6, "minute": 52}
